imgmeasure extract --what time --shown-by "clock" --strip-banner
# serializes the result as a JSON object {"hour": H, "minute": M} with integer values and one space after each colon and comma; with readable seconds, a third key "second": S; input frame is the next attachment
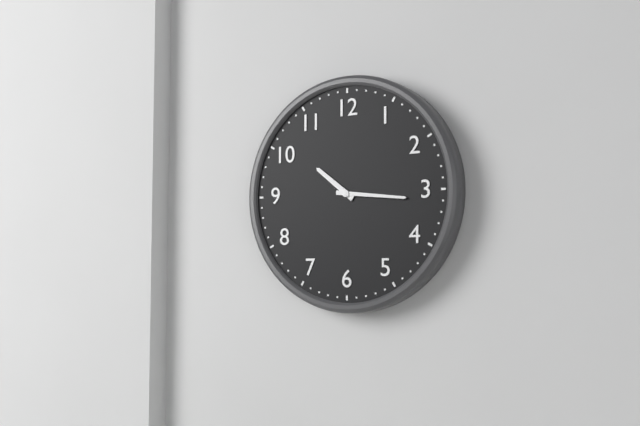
{"hour": 10, "minute": 16}
